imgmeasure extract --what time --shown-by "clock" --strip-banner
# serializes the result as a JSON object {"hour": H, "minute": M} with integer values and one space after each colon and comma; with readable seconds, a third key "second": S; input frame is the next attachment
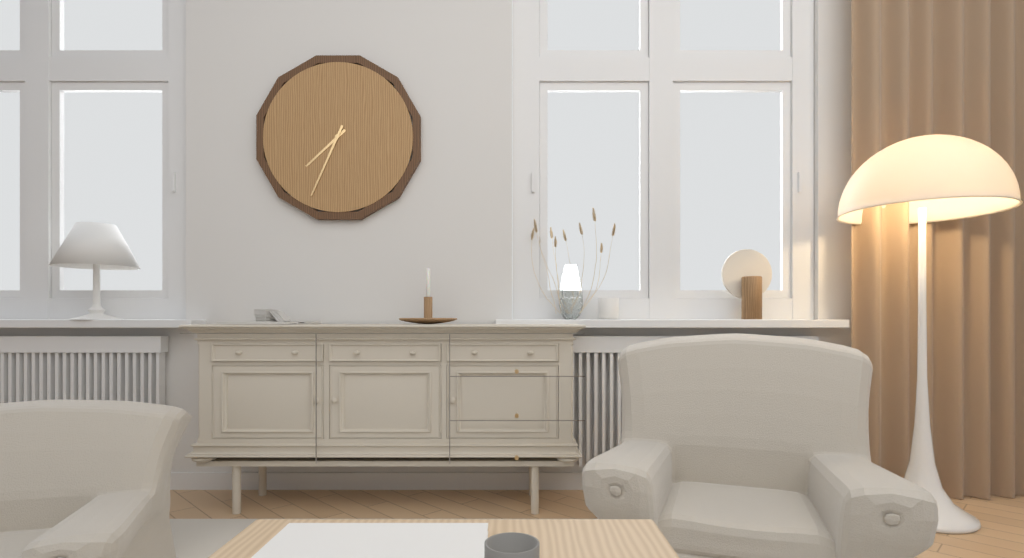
{"hour": 7, "minute": 34}
